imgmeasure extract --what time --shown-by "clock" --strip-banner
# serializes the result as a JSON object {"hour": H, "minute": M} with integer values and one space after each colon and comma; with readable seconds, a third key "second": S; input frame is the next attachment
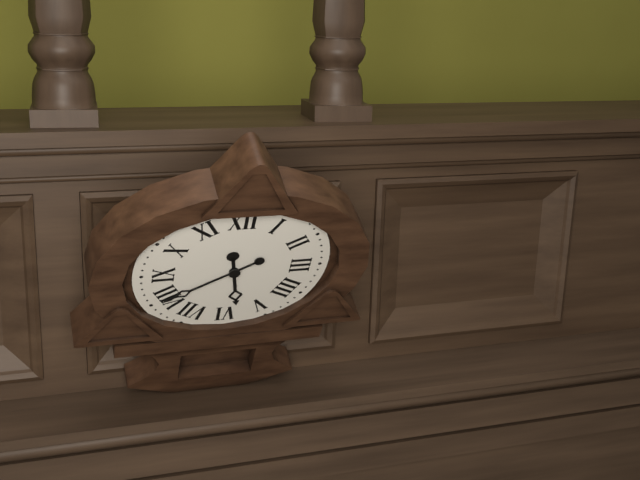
{"hour": 5, "minute": 40}
